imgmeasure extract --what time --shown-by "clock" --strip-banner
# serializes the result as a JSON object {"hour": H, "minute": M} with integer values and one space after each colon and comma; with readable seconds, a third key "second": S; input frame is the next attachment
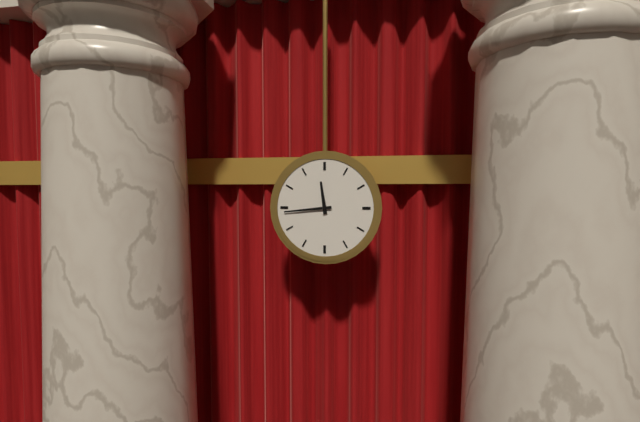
{"hour": 11, "minute": 44}
